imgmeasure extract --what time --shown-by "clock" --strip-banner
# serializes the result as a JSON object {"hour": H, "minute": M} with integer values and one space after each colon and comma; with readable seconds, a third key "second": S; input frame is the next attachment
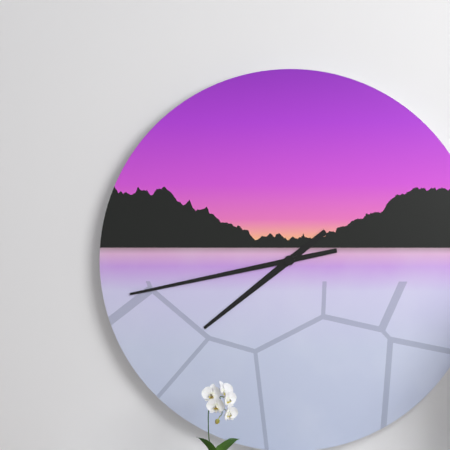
{"hour": 7, "minute": 43}
